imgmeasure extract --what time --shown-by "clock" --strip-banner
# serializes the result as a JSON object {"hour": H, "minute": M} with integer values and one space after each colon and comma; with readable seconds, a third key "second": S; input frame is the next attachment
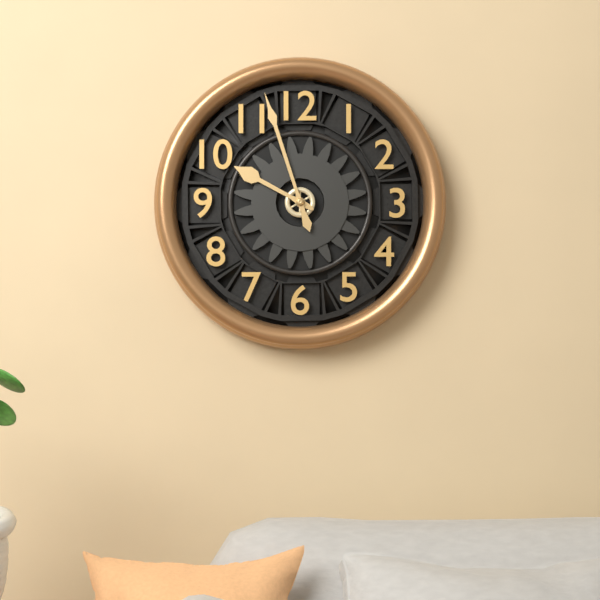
{"hour": 9, "minute": 57}
